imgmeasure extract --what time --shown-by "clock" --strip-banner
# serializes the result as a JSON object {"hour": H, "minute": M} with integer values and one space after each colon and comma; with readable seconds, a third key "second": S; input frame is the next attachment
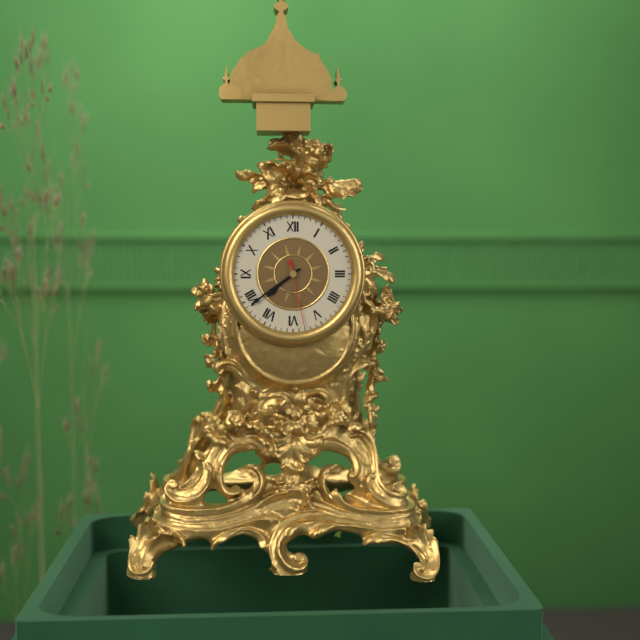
{"hour": 7, "minute": 39, "second": 28}
